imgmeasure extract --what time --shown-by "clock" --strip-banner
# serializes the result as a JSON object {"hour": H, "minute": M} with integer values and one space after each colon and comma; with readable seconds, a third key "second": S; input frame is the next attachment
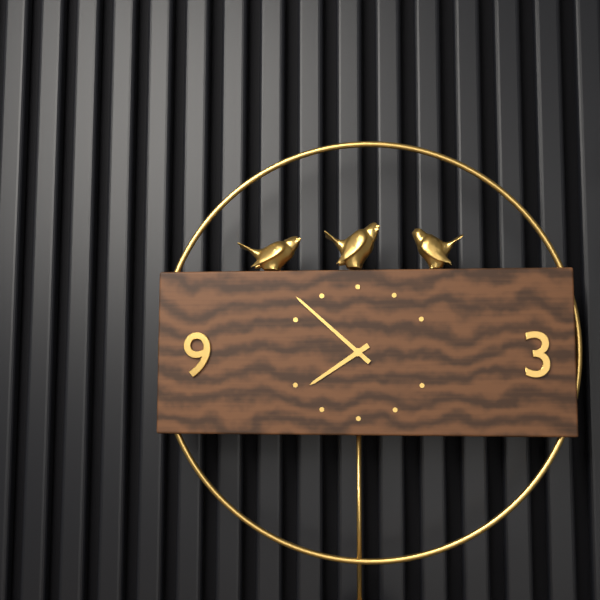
{"hour": 7, "minute": 52}
